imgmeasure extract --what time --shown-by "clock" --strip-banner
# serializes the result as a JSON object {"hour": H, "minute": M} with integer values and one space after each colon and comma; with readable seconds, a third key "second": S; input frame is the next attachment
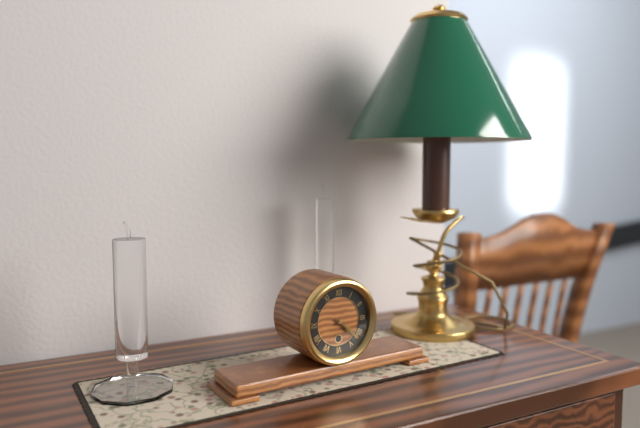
{"hour": 4, "minute": 22}
